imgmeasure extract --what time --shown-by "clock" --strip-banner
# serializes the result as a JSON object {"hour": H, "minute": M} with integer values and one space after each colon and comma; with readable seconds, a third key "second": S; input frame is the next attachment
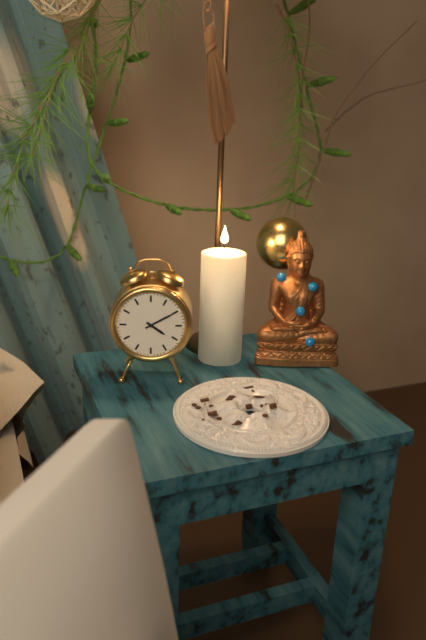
{"hour": 4, "minute": 10}
